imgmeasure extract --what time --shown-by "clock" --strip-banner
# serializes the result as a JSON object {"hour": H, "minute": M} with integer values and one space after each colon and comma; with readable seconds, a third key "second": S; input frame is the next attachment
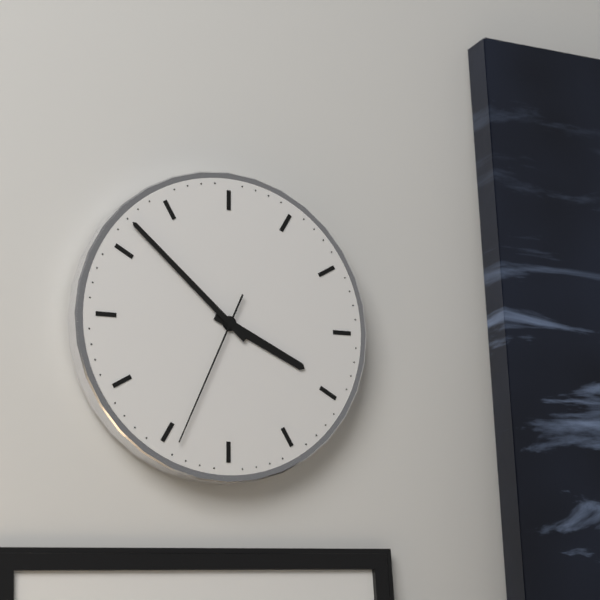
{"hour": 3, "minute": 52, "second": 34}
